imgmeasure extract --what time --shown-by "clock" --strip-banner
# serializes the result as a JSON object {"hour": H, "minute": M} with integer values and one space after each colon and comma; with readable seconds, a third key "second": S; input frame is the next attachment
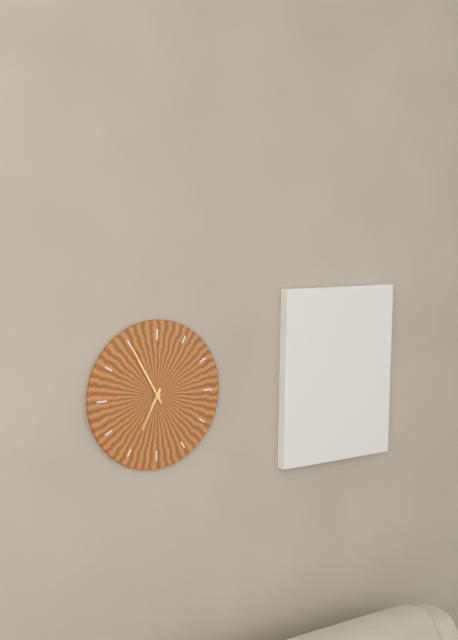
{"hour": 6, "minute": 55}
